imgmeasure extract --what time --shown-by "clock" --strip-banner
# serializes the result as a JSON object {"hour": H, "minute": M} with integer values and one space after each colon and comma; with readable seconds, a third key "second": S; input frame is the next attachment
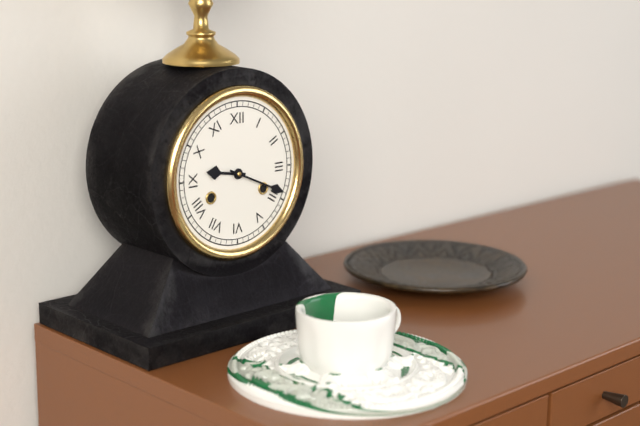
{"hour": 9, "minute": 19}
